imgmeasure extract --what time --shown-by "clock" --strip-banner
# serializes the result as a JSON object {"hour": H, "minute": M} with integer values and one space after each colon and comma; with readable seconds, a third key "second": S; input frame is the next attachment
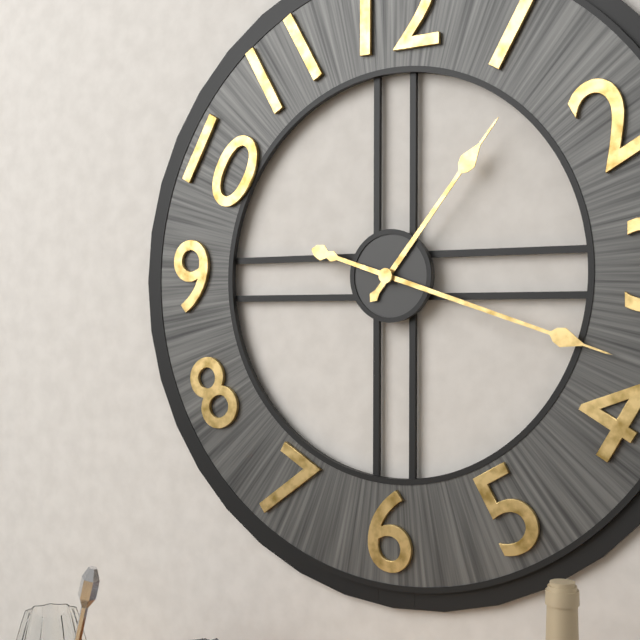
{"hour": 1, "minute": 18}
